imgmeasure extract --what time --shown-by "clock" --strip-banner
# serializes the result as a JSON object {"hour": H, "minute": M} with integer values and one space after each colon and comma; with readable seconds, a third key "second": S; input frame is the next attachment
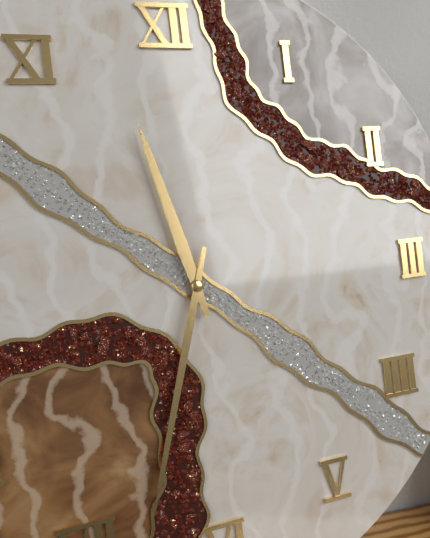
{"hour": 11, "minute": 33}
